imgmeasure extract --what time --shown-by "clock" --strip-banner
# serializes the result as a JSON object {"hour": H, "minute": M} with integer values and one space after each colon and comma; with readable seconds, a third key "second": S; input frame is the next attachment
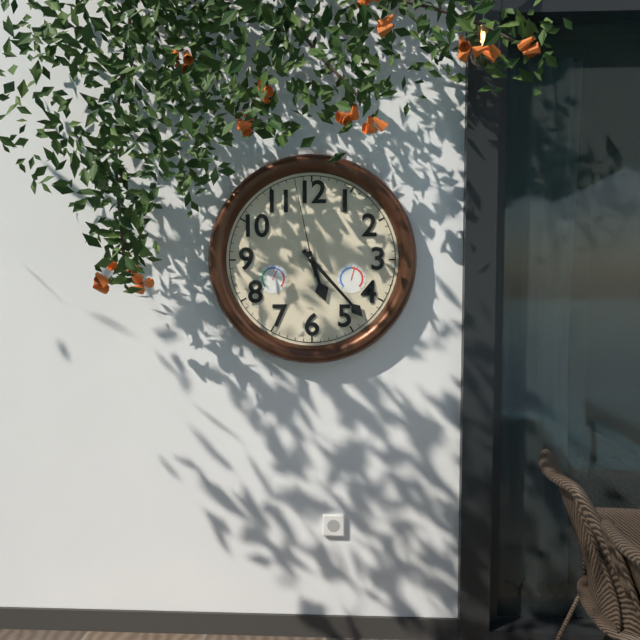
{"hour": 5, "minute": 23, "second": 58}
